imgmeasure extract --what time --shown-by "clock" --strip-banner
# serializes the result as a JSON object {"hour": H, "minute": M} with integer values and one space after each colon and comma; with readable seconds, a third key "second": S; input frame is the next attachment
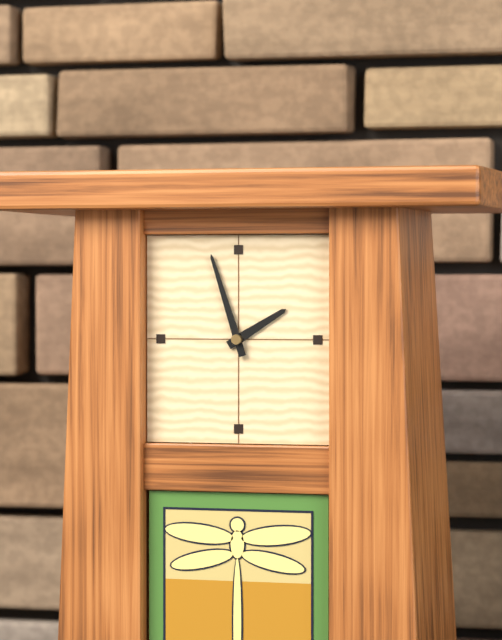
{"hour": 1, "minute": 57}
